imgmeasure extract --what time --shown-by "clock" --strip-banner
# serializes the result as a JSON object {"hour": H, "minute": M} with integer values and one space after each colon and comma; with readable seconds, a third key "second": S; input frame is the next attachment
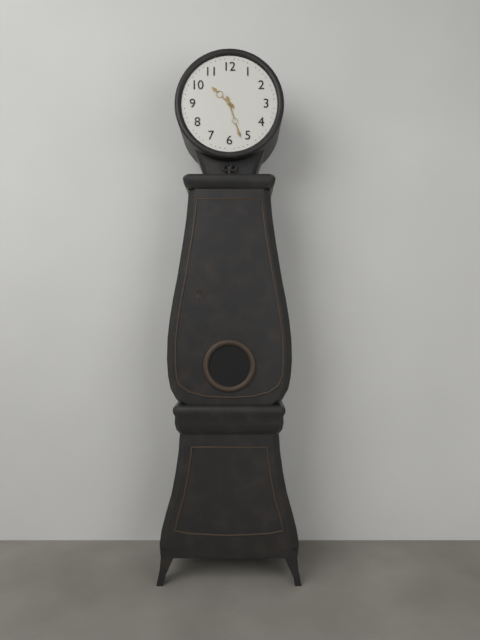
{"hour": 10, "minute": 27}
